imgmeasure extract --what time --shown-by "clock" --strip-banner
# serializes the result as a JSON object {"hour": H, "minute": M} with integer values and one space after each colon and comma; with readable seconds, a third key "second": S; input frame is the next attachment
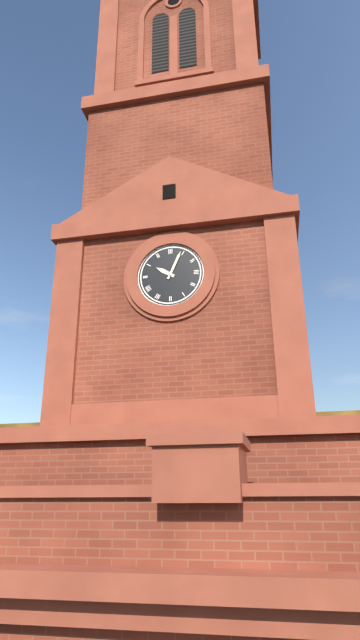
{"hour": 10, "minute": 4}
